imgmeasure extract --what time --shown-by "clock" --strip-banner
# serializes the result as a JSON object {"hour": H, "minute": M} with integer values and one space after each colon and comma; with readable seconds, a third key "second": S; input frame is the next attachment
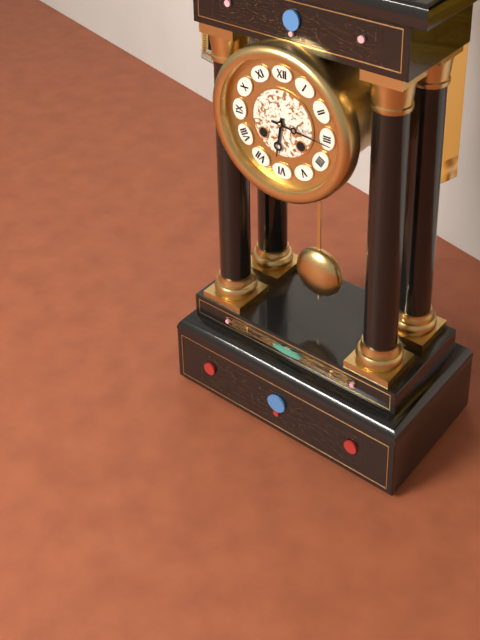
{"hour": 6, "minute": 16}
